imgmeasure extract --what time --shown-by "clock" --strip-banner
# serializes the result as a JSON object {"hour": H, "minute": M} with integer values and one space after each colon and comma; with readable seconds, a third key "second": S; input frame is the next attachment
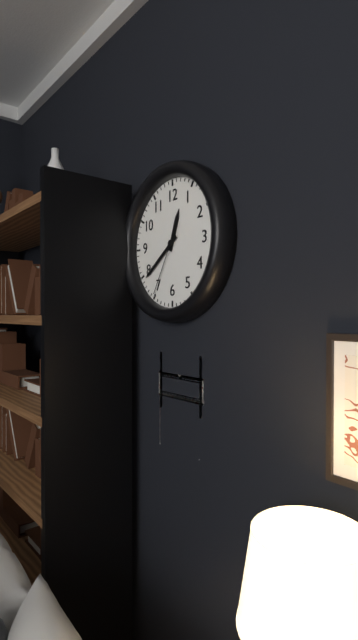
{"hour": 12, "minute": 39, "second": 35}
